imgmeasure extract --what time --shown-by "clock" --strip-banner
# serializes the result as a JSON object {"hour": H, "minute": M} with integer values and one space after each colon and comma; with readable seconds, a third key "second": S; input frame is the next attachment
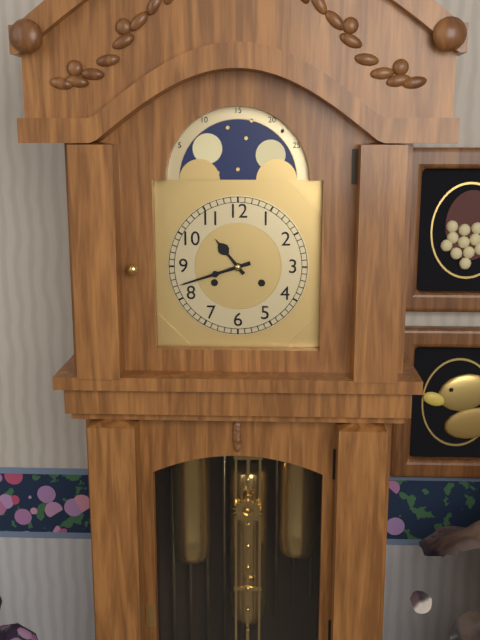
{"hour": 10, "minute": 42}
